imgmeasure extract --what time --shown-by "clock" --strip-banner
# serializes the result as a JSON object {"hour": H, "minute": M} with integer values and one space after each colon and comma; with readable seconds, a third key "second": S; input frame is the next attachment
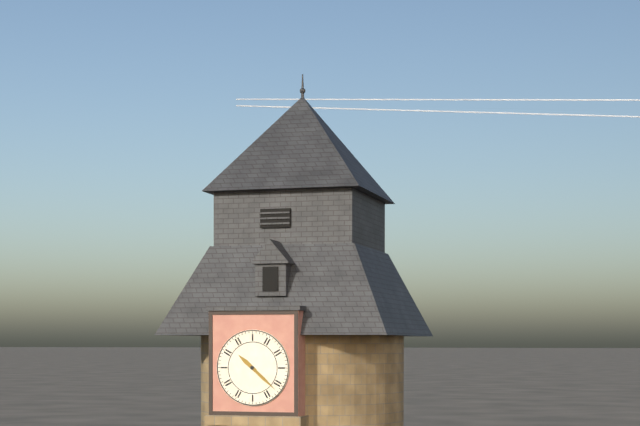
{"hour": 10, "minute": 22}
